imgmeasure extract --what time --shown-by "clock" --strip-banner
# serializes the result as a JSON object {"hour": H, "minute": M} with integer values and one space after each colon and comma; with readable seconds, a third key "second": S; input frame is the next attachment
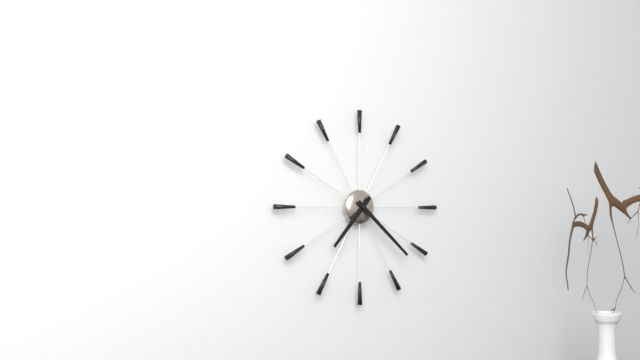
{"hour": 7, "minute": 22}
